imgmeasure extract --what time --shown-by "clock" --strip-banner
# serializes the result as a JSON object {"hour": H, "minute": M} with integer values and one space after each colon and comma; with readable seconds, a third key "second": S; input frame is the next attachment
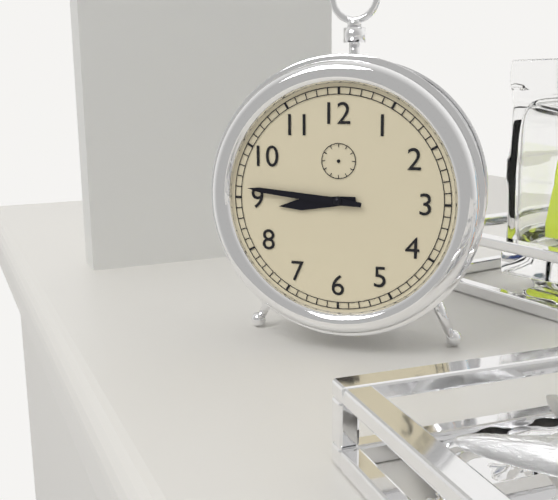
{"hour": 8, "minute": 46}
